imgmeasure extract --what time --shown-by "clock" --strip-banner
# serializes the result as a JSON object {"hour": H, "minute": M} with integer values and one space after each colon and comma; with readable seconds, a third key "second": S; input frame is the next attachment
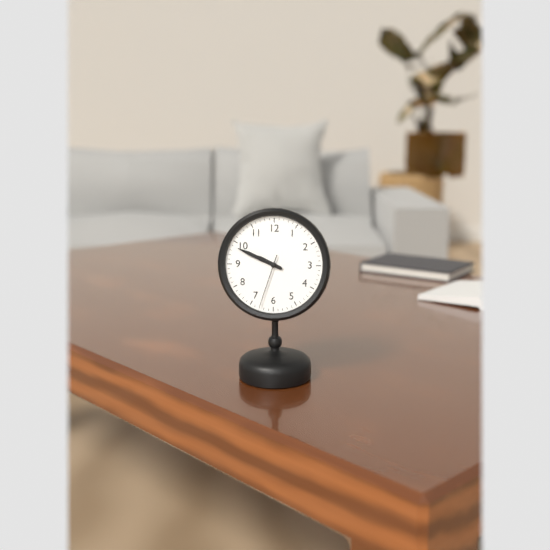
{"hour": 9, "minute": 49, "second": 33}
